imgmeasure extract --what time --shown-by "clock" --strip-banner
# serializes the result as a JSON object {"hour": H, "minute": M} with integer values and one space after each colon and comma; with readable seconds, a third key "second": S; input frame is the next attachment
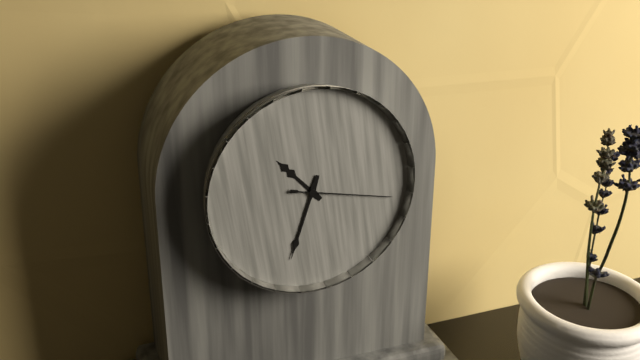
{"hour": 10, "minute": 33, "second": 17}
